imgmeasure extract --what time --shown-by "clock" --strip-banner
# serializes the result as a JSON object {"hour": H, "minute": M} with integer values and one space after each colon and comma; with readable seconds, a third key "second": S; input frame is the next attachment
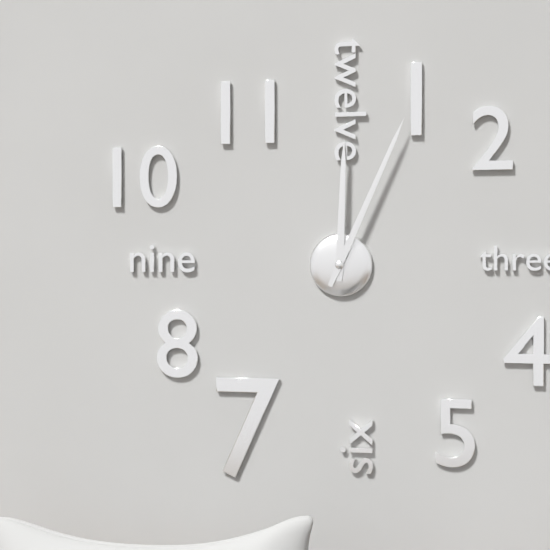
{"hour": 12, "minute": 4}
